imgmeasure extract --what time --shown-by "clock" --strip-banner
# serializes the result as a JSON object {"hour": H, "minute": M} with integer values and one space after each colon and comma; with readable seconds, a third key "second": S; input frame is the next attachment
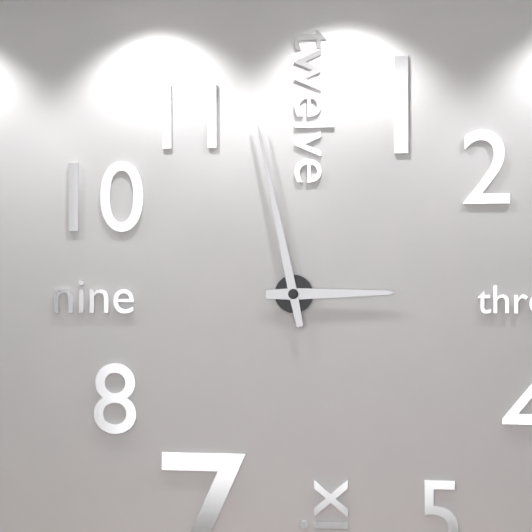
{"hour": 2, "minute": 58}
